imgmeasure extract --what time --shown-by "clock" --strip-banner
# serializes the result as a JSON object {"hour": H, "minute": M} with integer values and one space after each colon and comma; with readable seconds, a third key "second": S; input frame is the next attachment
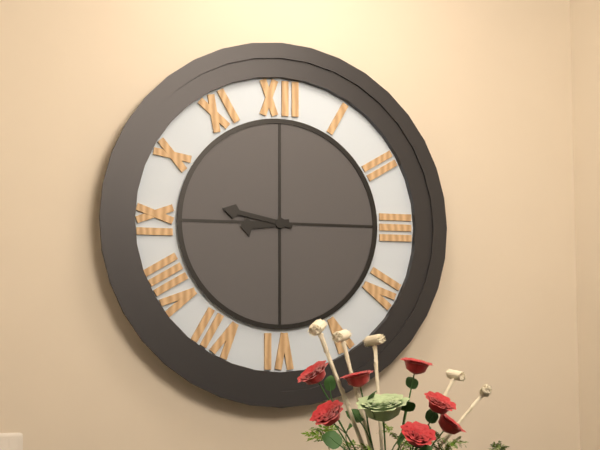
{"hour": 8, "minute": 47}
